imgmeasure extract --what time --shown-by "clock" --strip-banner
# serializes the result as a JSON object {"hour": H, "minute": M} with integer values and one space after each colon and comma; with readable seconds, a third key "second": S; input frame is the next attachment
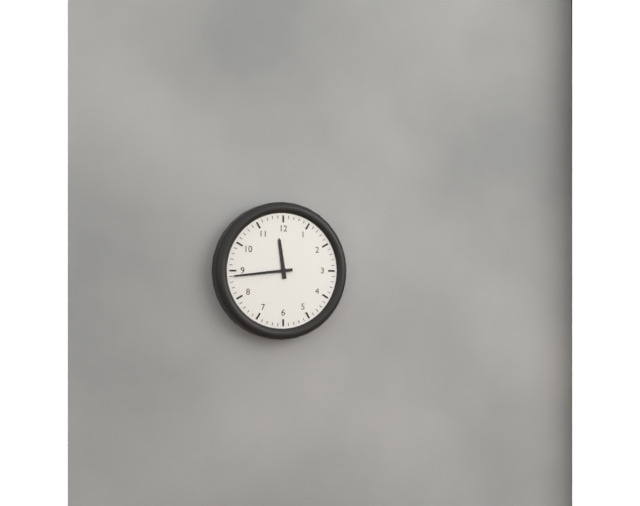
{"hour": 11, "minute": 44}
